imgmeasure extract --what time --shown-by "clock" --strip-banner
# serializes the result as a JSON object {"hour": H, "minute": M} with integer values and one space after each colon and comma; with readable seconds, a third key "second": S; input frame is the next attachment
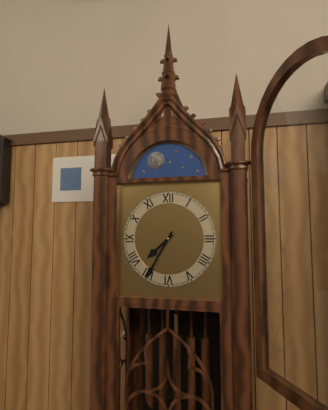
{"hour": 7, "minute": 35}
